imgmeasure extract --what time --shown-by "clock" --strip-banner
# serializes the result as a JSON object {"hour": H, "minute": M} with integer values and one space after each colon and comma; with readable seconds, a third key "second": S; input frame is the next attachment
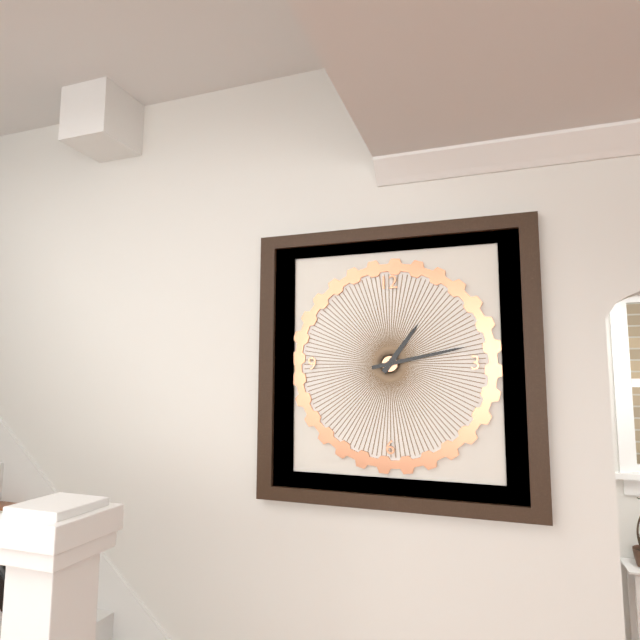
{"hour": 1, "minute": 13}
